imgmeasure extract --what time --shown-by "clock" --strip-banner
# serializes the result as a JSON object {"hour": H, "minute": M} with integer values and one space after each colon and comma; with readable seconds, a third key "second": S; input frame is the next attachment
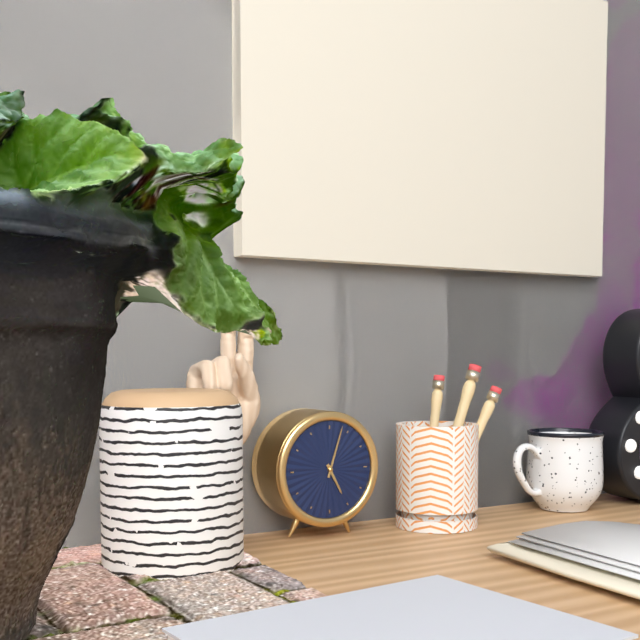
{"hour": 5, "minute": 3}
